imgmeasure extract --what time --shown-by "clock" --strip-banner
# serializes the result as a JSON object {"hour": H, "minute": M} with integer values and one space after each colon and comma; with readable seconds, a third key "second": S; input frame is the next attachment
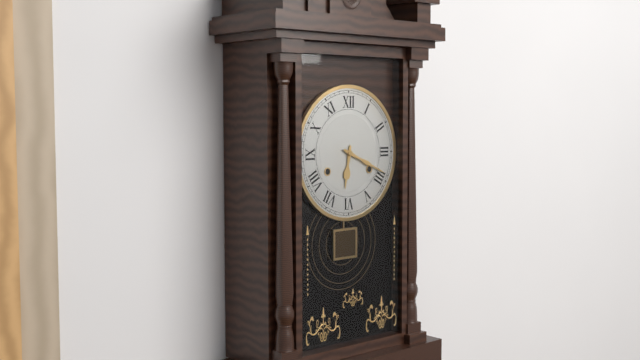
{"hour": 6, "minute": 19}
